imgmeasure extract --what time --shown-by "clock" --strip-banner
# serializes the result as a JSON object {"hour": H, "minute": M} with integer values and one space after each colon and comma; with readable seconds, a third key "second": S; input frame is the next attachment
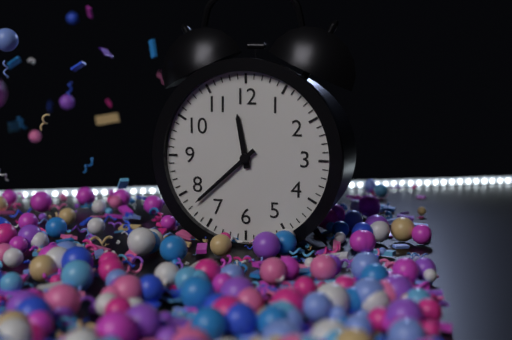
{"hour": 11, "minute": 38}
